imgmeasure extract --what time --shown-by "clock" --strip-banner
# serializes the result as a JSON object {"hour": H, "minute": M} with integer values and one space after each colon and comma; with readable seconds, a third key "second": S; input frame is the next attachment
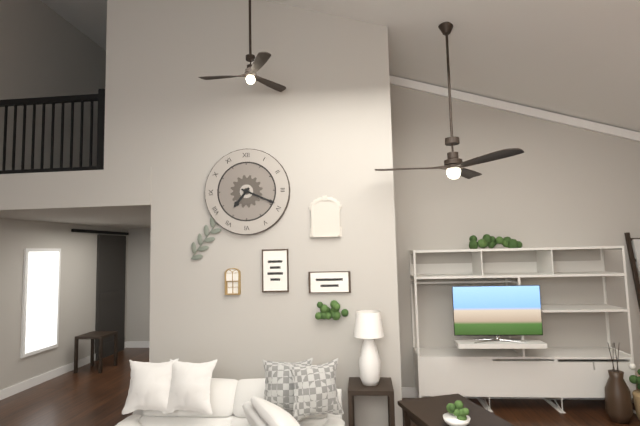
{"hour": 7, "minute": 19}
